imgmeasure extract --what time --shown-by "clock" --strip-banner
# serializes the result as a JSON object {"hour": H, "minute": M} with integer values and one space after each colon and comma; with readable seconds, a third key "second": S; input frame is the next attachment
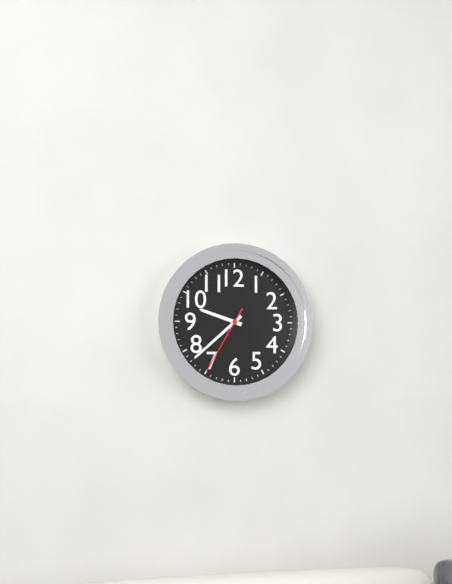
{"hour": 9, "minute": 38, "second": 35}
